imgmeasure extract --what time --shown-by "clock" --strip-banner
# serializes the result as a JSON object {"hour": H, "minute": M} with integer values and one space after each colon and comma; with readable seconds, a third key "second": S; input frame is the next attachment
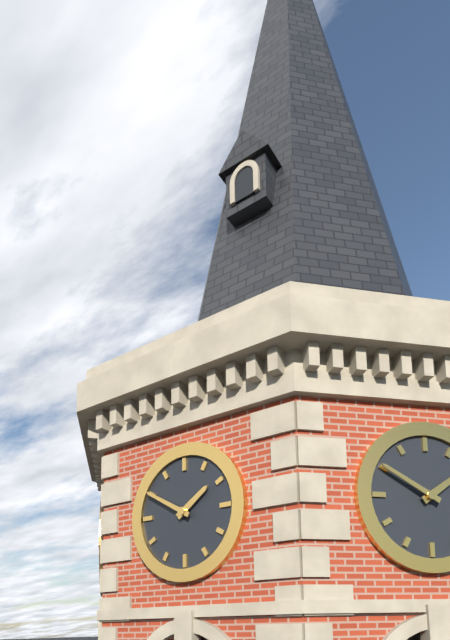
{"hour": 1, "minute": 50}
